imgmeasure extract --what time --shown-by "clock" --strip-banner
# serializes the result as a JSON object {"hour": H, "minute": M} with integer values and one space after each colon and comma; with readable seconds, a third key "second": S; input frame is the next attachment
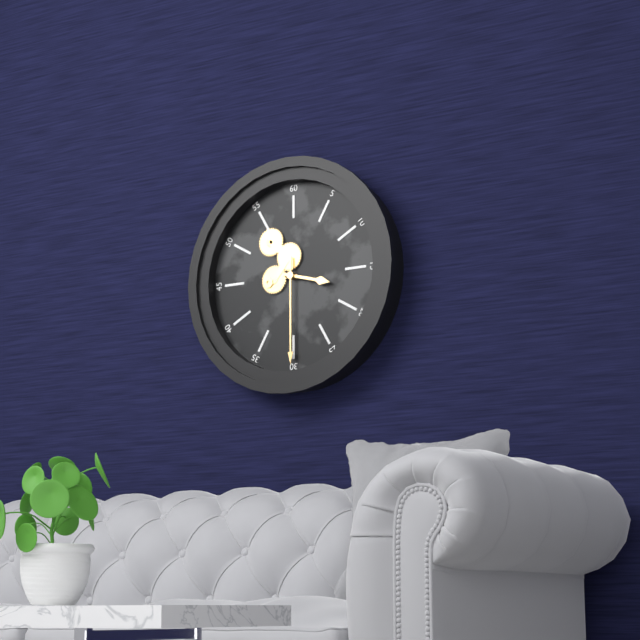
{"hour": 3, "minute": 30}
